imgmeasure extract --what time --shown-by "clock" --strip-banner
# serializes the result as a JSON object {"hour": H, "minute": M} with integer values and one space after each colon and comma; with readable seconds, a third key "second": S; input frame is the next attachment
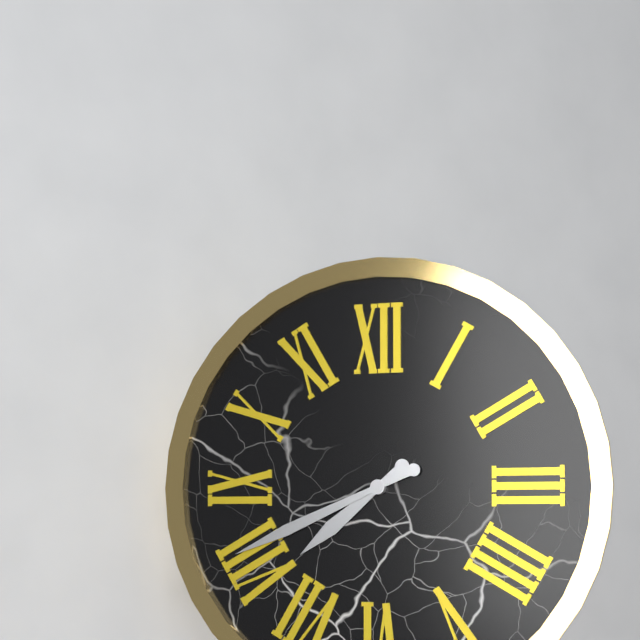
{"hour": 7, "minute": 41}
